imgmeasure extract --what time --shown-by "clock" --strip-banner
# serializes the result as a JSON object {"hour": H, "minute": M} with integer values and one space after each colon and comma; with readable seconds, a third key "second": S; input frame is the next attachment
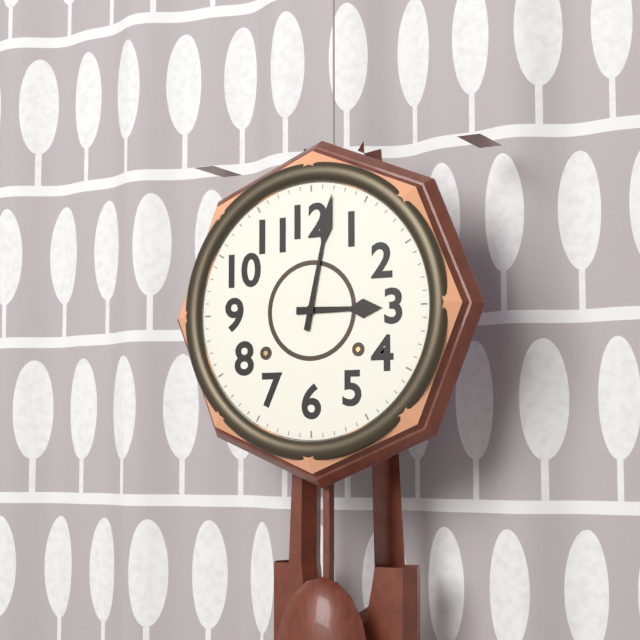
{"hour": 3, "minute": 2}
